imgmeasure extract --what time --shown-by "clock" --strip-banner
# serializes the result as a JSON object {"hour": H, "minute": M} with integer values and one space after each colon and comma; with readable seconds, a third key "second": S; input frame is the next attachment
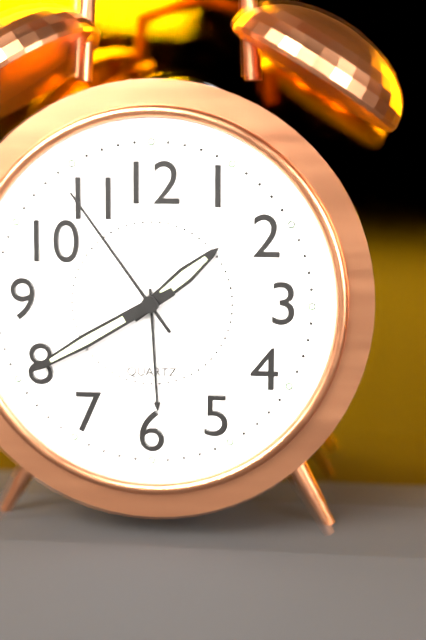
{"hour": 1, "minute": 40, "second": 54}
